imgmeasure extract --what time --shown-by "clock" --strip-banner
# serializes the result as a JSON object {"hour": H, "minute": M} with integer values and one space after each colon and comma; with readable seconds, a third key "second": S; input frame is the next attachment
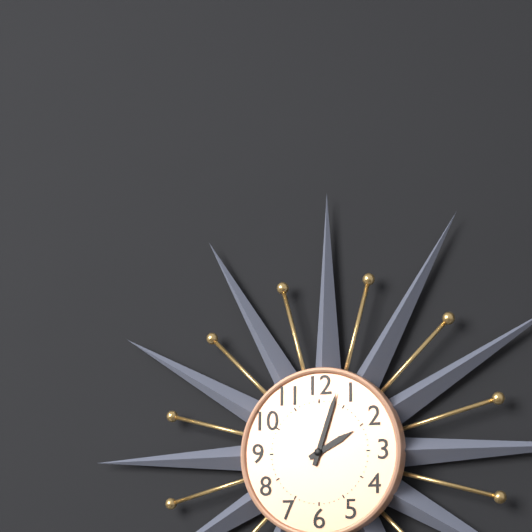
{"hour": 2, "minute": 3}
